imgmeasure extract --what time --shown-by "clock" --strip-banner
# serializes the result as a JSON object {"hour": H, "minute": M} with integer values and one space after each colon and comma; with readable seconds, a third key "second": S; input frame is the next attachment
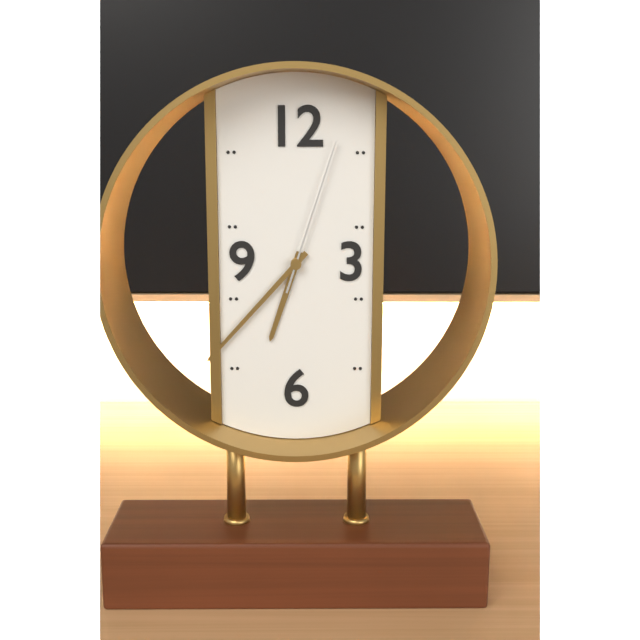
{"hour": 6, "minute": 37, "second": 3}
